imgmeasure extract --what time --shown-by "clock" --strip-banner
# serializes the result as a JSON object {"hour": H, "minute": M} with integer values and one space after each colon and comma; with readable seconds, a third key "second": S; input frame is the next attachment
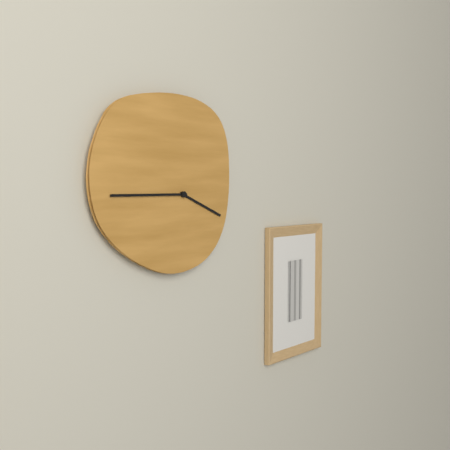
{"hour": 3, "minute": 45}
